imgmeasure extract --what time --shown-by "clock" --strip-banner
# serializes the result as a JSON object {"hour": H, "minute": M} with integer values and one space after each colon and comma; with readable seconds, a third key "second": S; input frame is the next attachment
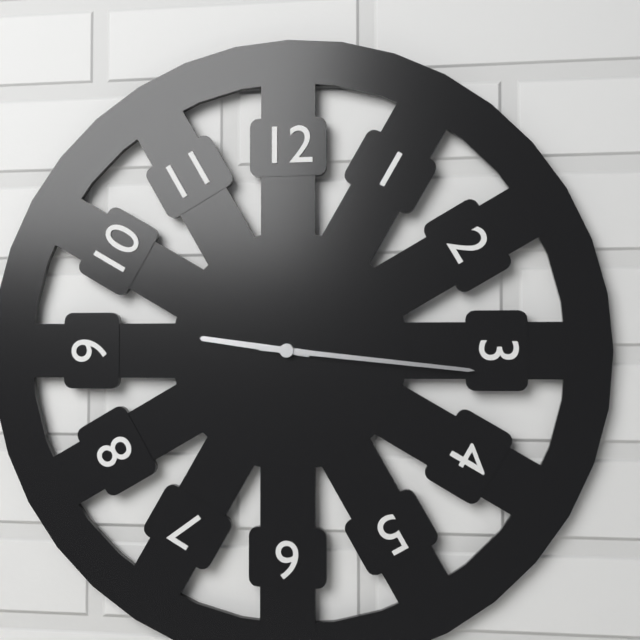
{"hour": 9, "minute": 16}
